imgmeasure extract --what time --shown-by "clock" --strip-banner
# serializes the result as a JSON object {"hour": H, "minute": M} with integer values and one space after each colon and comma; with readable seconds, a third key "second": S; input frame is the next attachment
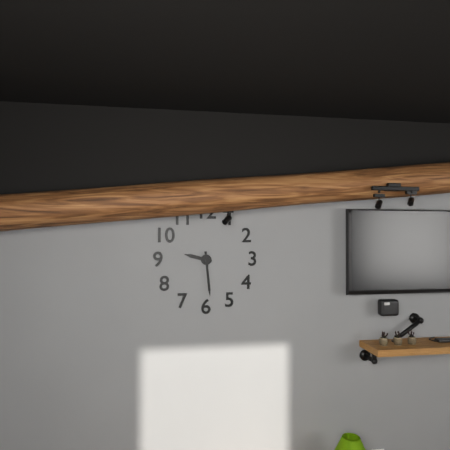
{"hour": 9, "minute": 29}
